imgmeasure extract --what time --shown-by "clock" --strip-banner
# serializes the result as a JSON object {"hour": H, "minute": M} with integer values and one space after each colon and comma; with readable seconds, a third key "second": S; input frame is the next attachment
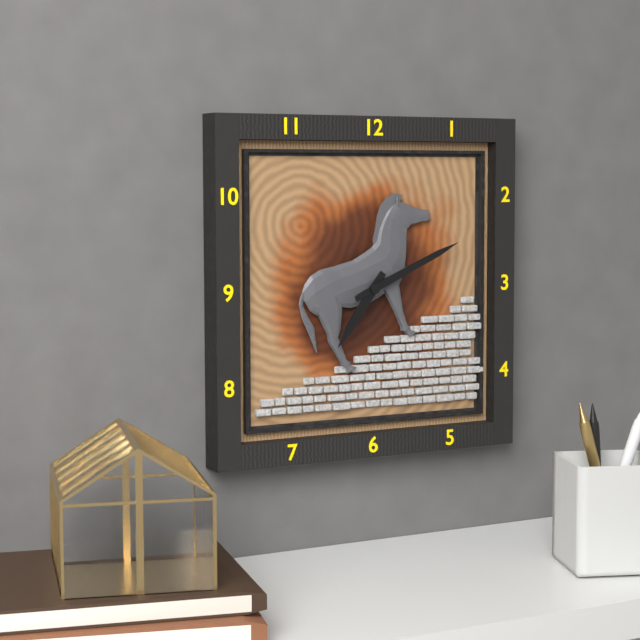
{"hour": 7, "minute": 11}
